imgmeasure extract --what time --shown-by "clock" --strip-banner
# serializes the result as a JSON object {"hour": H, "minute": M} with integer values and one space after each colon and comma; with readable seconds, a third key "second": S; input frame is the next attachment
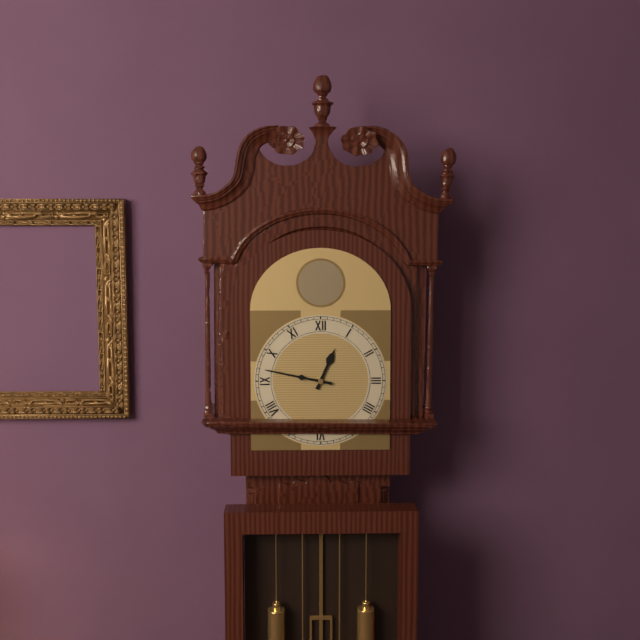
{"hour": 12, "minute": 47}
